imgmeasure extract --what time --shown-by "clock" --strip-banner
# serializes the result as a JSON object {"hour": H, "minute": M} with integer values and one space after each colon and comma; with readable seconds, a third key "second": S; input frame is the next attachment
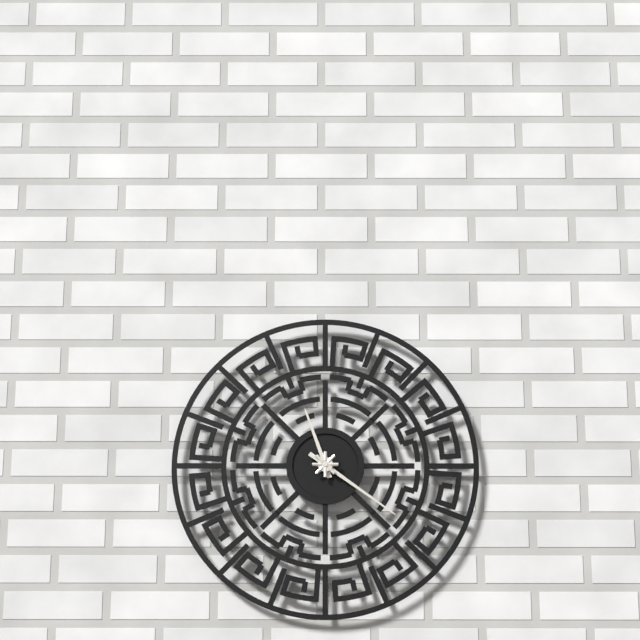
{"hour": 11, "minute": 21}
